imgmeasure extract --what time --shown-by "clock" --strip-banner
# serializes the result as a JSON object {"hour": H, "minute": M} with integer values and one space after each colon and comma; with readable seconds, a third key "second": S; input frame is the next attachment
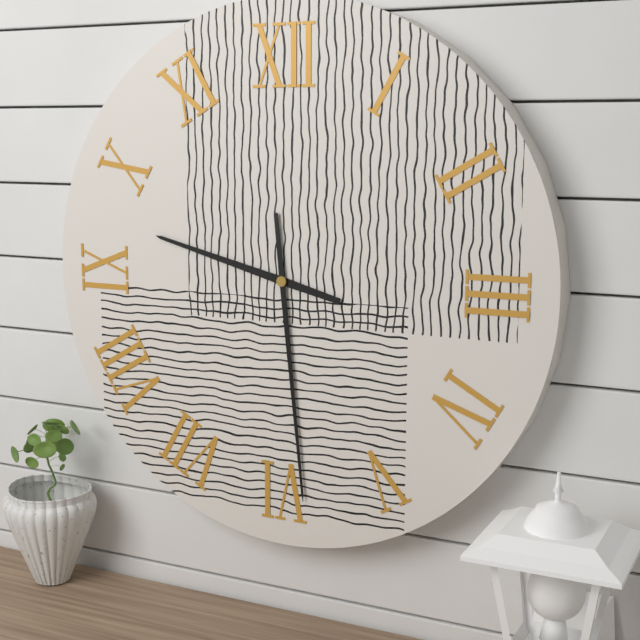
{"hour": 9, "minute": 29}
